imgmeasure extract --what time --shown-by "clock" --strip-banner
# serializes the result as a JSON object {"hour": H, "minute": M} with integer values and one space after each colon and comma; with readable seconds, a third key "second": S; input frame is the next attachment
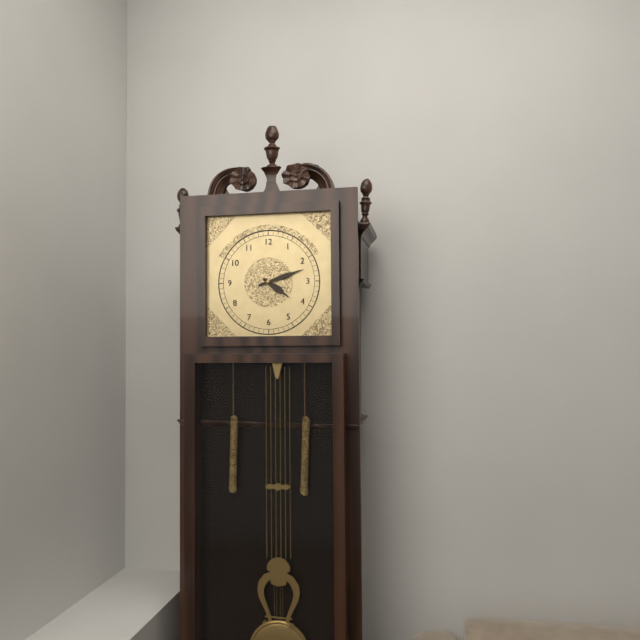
{"hour": 4, "minute": 12}
